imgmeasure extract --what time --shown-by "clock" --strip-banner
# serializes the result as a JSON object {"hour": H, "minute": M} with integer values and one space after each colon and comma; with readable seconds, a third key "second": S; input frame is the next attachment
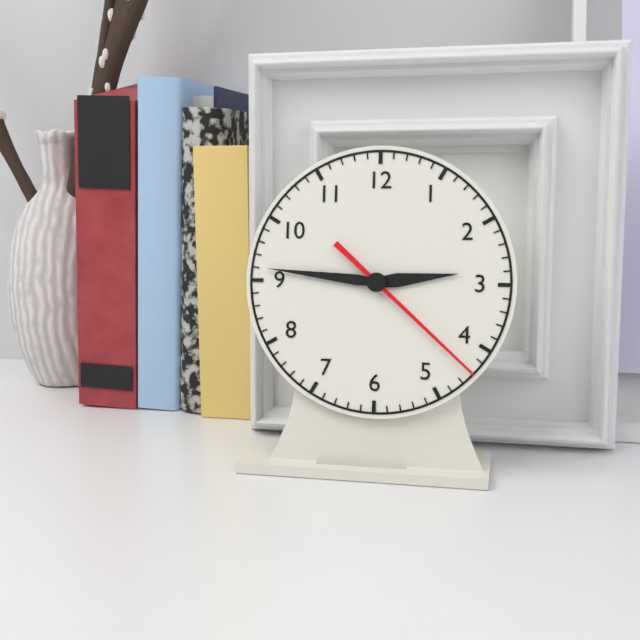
{"hour": 2, "minute": 46, "second": 22}
